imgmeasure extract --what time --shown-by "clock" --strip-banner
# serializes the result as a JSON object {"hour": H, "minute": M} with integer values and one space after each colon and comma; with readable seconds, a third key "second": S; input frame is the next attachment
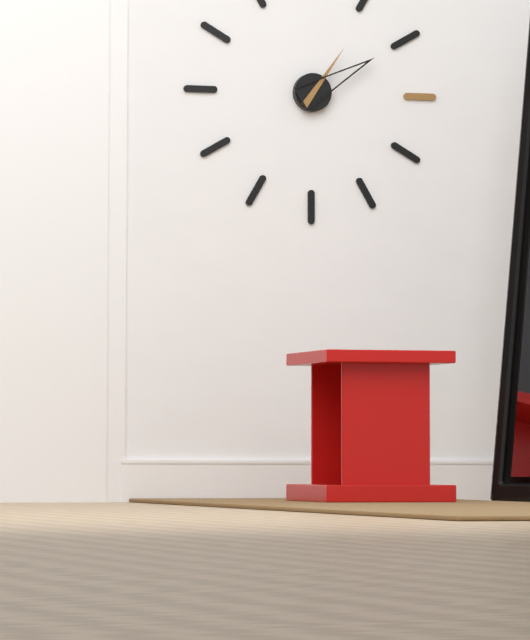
{"hour": 1, "minute": 10}
